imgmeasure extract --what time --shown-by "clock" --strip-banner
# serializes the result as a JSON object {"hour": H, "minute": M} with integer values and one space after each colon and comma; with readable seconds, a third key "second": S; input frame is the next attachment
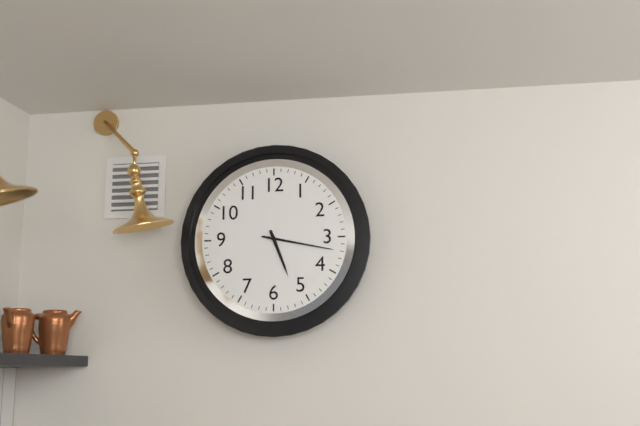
{"hour": 5, "minute": 17}
